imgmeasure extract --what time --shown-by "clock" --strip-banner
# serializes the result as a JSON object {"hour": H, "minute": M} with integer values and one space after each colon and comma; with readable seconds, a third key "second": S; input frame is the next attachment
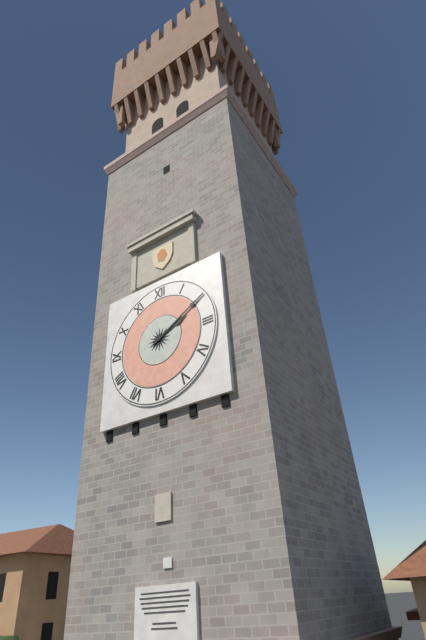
{"hour": 2, "minute": 10}
